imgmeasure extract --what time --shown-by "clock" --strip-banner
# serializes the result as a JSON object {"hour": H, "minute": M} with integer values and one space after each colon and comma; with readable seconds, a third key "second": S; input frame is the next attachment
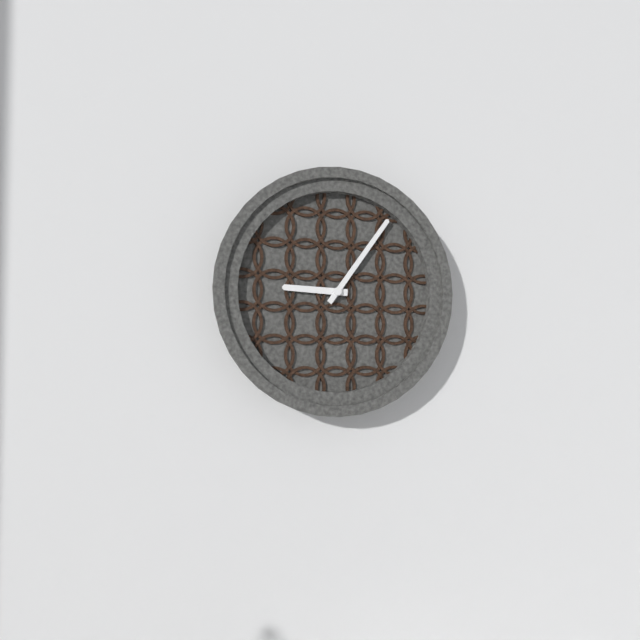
{"hour": 9, "minute": 6}
